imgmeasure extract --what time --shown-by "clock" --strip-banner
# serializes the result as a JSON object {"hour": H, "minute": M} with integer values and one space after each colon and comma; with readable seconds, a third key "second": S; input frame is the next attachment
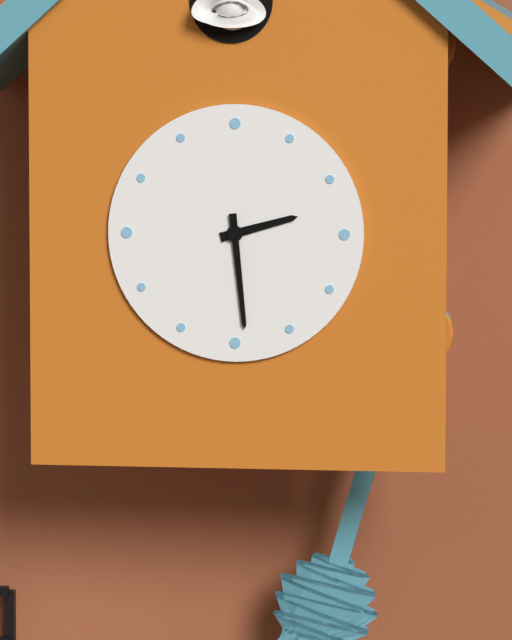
{"hour": 2, "minute": 29}
